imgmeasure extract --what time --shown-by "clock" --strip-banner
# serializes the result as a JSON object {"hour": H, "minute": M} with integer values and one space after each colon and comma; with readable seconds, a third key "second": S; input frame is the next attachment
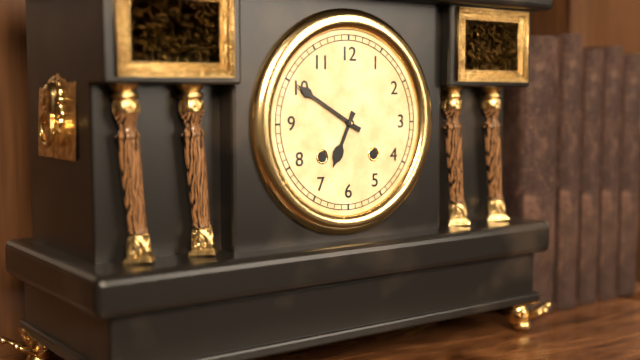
{"hour": 6, "minute": 50}
